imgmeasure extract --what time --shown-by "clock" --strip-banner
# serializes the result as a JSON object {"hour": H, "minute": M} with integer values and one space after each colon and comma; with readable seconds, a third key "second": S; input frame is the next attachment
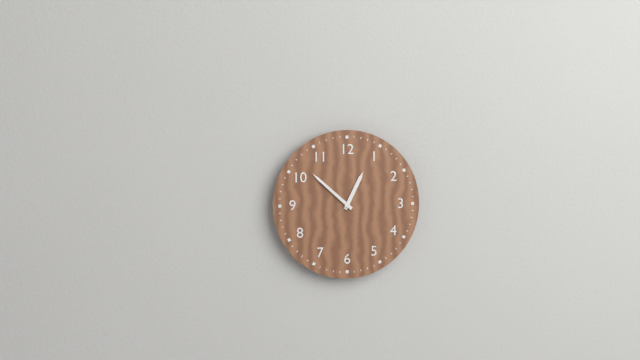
{"hour": 12, "minute": 52}
